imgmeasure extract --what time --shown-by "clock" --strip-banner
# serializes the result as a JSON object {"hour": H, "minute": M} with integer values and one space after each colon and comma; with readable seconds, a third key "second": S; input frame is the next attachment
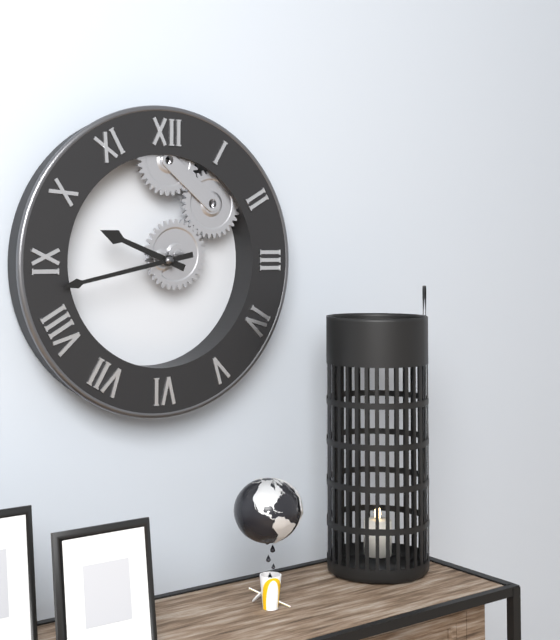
{"hour": 9, "minute": 43}
